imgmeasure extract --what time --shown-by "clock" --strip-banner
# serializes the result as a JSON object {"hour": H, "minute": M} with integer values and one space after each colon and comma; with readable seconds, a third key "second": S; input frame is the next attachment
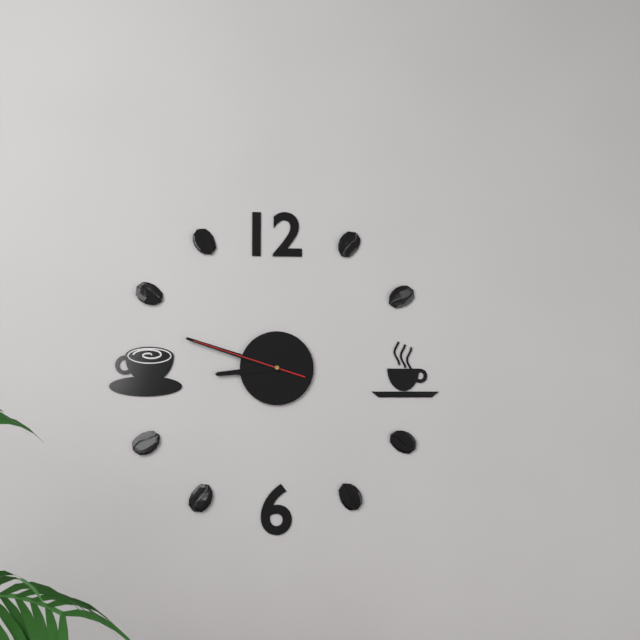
{"hour": 8, "minute": 48, "second": 48}
